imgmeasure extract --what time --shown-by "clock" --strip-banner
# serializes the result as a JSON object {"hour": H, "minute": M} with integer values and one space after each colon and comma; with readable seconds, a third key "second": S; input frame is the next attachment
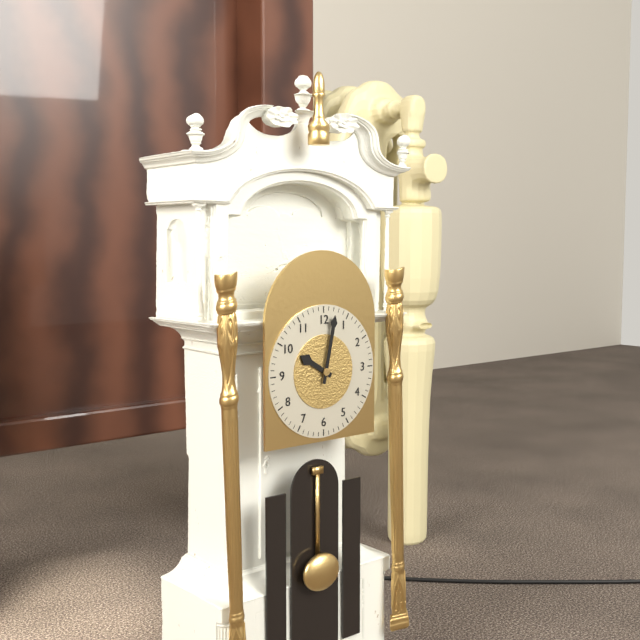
{"hour": 10, "minute": 2}
